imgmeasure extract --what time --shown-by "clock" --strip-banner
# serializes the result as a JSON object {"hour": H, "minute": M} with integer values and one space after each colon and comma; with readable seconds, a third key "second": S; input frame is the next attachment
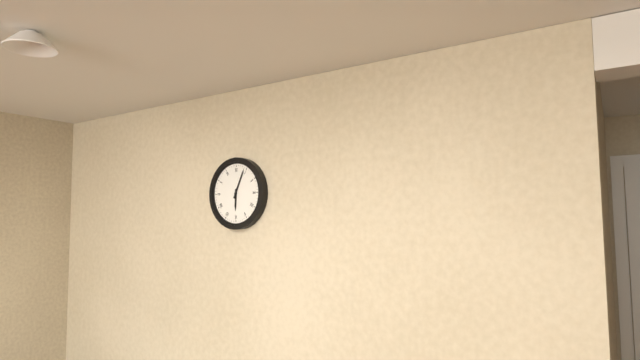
{"hour": 6, "minute": 4}
